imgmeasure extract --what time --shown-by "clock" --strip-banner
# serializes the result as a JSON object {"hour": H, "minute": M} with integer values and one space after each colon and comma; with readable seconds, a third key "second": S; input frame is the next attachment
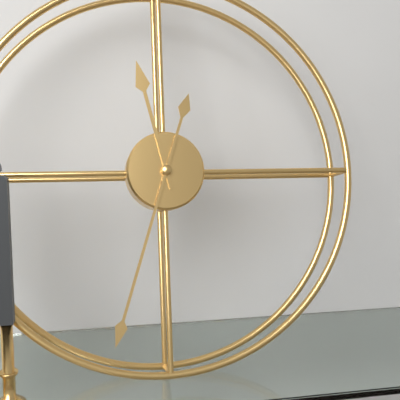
{"hour": 11, "minute": 33}
